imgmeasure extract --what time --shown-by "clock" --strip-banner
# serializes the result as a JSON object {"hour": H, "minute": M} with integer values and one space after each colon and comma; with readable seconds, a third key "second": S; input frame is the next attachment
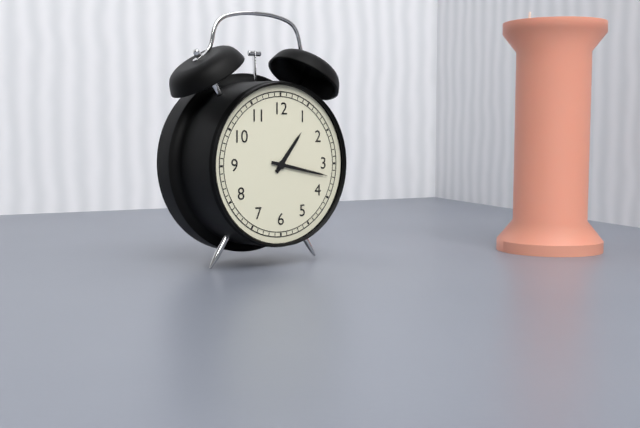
{"hour": 1, "minute": 17}
